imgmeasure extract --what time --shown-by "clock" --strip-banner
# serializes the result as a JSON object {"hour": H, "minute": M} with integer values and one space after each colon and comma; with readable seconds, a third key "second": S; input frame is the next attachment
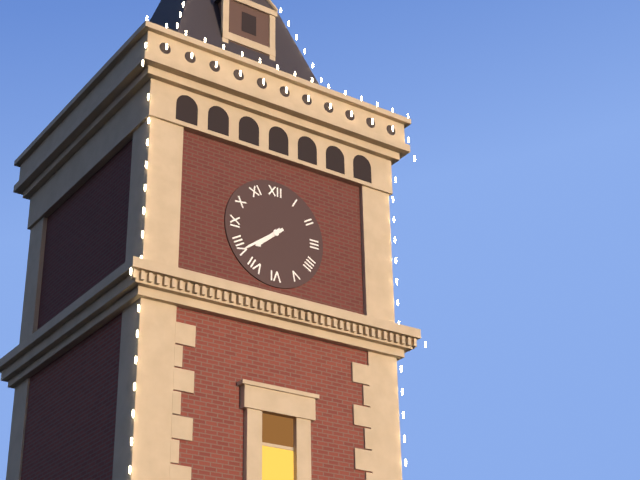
{"hour": 7, "minute": 39}
